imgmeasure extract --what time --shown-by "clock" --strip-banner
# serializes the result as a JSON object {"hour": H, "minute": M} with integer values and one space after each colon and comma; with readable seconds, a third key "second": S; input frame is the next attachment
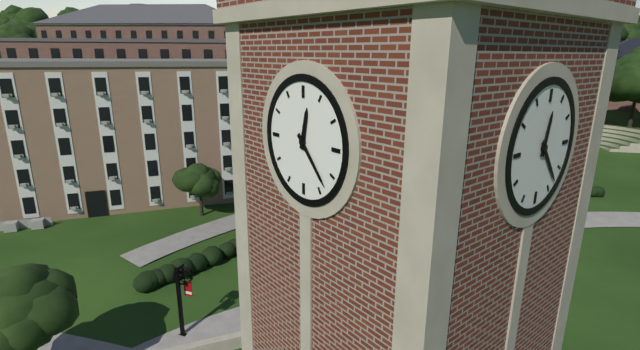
{"hour": 12, "minute": 23}
